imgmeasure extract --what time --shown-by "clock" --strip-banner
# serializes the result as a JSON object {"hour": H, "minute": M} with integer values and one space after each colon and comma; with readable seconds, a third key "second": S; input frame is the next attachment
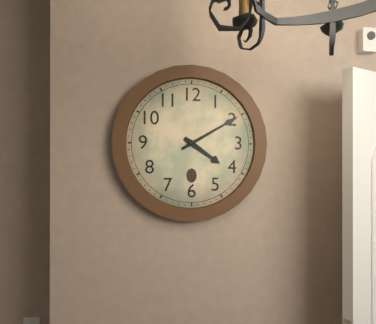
{"hour": 4, "minute": 10}
